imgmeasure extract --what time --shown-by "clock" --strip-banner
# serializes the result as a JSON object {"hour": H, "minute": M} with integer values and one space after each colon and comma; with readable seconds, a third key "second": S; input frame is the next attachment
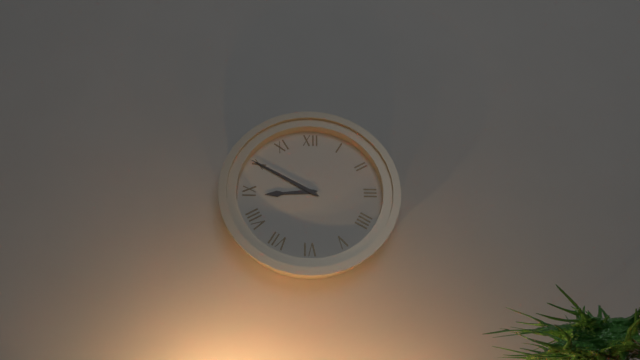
{"hour": 8, "minute": 50}
